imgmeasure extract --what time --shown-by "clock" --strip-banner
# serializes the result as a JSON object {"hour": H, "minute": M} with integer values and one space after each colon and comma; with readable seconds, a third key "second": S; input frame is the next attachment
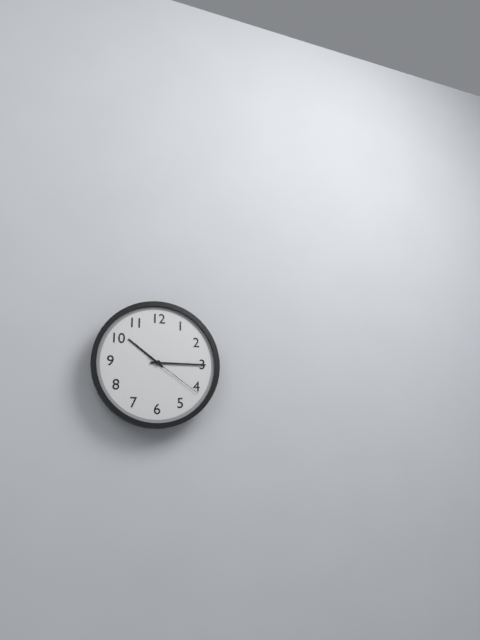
{"hour": 10, "minute": 15, "second": 21}
